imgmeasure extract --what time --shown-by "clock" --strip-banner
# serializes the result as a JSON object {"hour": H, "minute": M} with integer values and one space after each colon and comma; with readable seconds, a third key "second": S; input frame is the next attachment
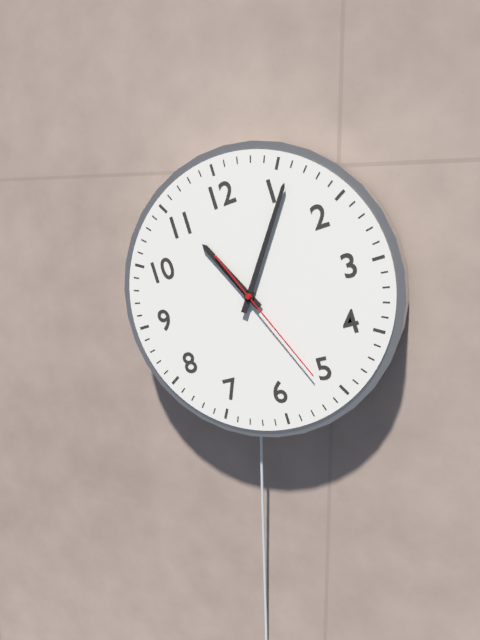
{"hour": 11, "minute": 6, "second": 26}
